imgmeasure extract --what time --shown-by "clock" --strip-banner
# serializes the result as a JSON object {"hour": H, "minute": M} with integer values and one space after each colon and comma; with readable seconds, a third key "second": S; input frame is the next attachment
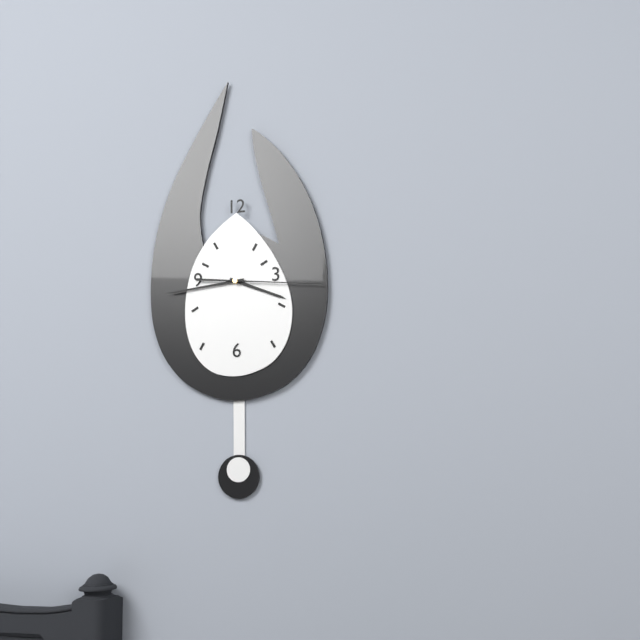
{"hour": 3, "minute": 44, "second": 16}
